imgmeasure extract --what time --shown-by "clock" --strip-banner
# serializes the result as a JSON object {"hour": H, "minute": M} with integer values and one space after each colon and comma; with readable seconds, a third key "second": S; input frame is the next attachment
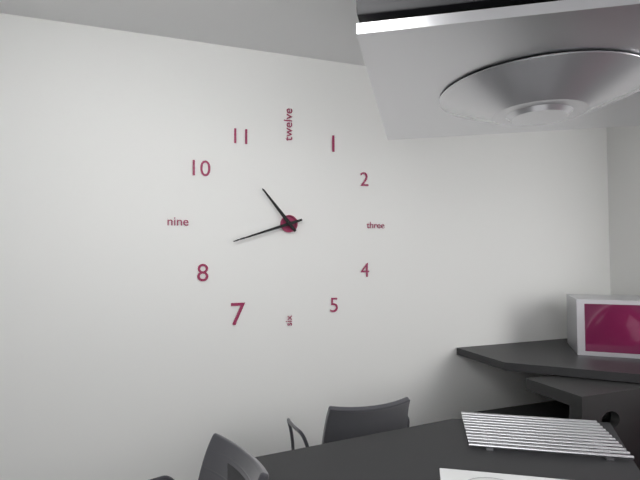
{"hour": 10, "minute": 42}
